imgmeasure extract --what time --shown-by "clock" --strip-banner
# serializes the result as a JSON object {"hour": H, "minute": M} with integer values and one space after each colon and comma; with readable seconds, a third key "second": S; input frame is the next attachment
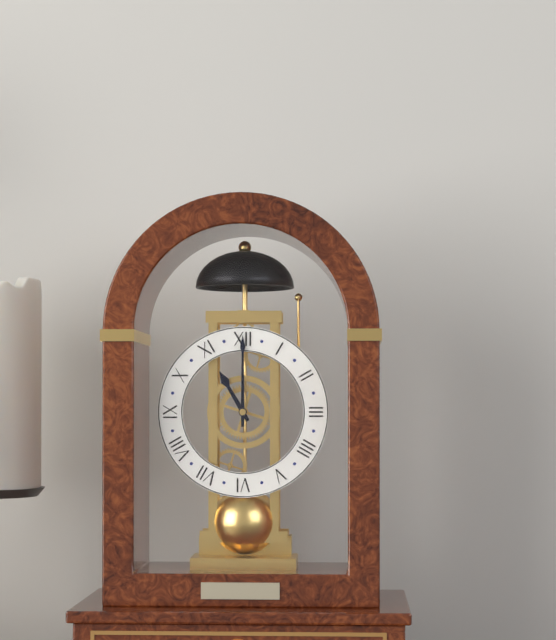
{"hour": 11, "minute": 0}
